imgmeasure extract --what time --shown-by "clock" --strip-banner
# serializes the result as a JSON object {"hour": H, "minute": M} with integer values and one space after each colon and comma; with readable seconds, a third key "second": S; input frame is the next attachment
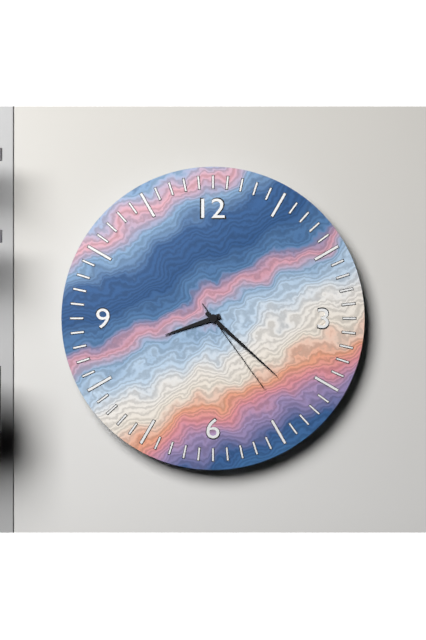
{"hour": 8, "minute": 22, "second": 24}
